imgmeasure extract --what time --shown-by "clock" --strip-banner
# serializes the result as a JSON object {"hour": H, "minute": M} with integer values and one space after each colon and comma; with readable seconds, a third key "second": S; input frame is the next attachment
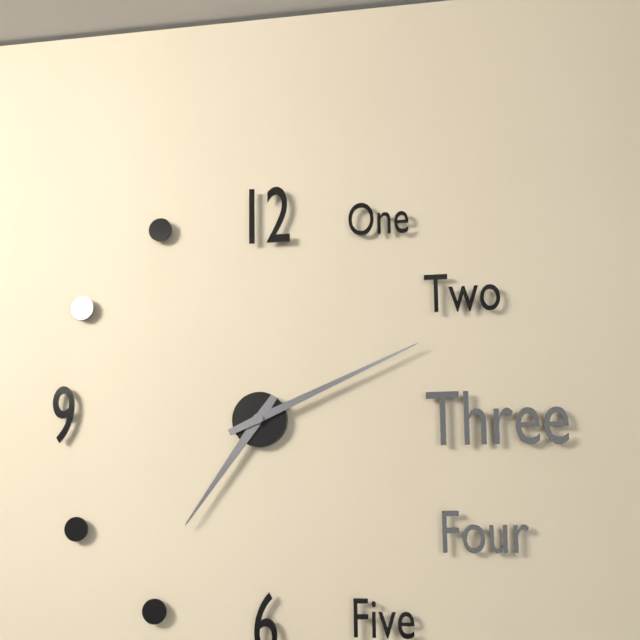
{"hour": 7, "minute": 11}
